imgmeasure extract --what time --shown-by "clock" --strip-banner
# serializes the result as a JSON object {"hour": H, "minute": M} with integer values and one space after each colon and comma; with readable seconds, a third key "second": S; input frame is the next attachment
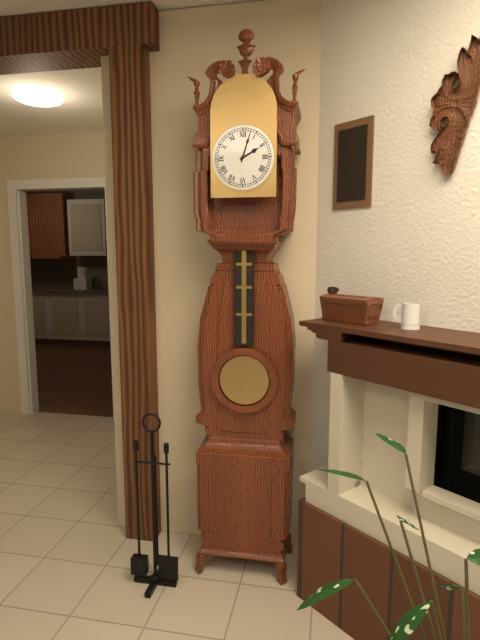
{"hour": 2, "minute": 3}
